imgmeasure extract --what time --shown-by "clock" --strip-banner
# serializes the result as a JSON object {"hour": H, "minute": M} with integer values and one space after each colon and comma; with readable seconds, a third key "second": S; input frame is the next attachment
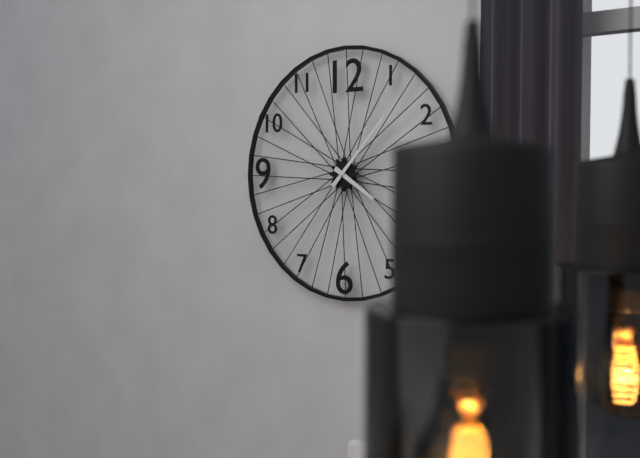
{"hour": 4, "minute": 7}
